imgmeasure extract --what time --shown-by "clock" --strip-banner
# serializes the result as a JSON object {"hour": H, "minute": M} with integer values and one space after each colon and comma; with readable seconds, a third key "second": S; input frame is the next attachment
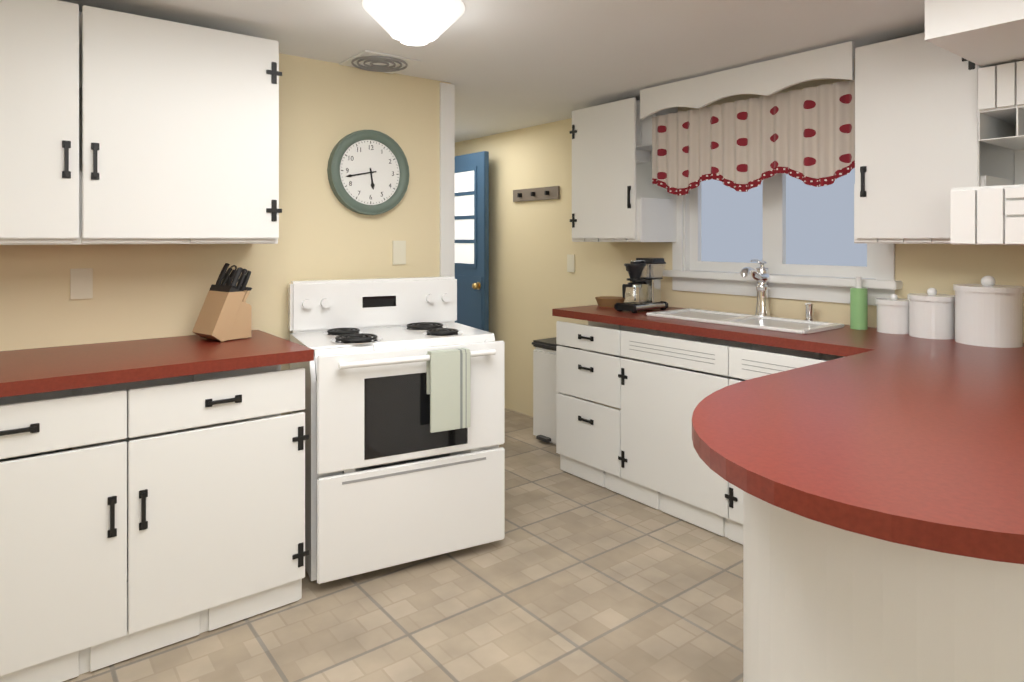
{"hour": 5, "minute": 43}
